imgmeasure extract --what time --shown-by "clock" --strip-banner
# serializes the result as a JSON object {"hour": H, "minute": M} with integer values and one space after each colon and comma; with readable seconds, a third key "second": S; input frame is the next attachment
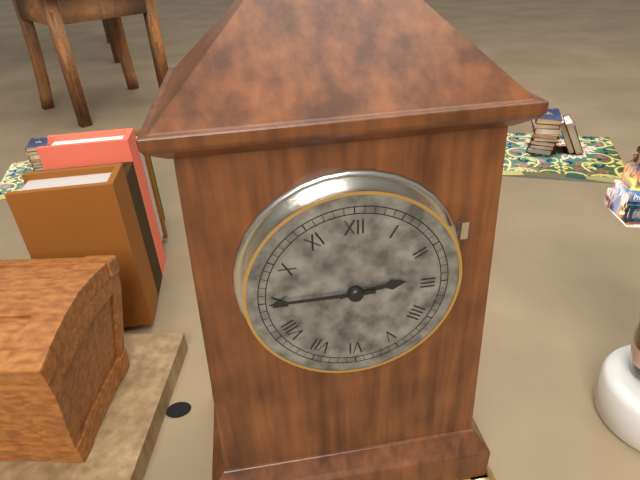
{"hour": 2, "minute": 45}
